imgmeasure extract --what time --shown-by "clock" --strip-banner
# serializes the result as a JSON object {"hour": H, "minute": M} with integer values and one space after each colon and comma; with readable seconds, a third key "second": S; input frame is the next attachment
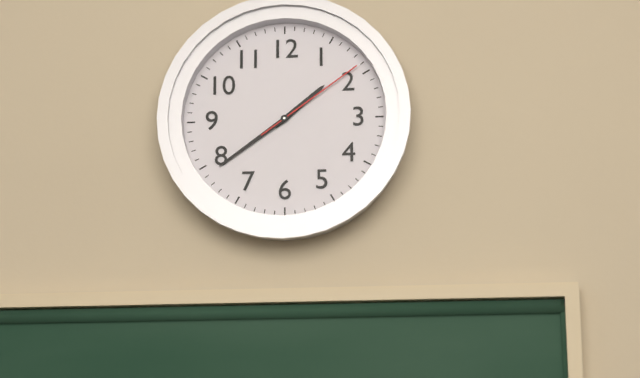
{"hour": 1, "minute": 39, "second": 9}
